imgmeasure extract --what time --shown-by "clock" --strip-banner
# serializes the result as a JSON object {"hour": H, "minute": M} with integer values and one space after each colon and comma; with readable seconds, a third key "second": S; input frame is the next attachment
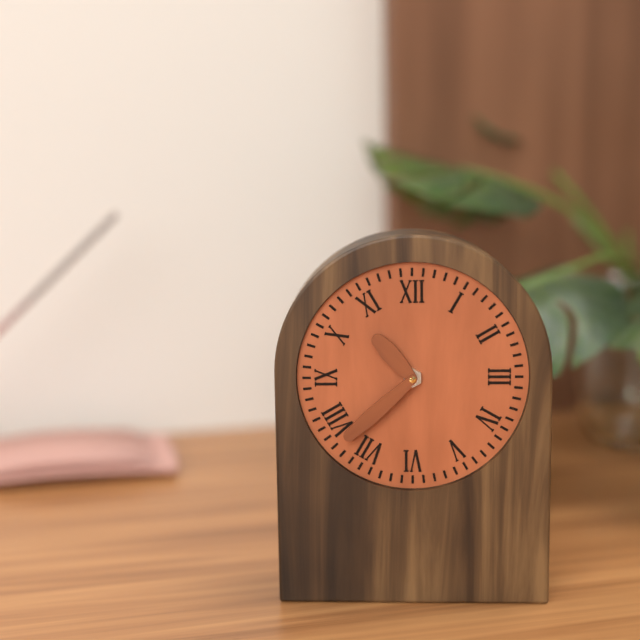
{"hour": 10, "minute": 38}
